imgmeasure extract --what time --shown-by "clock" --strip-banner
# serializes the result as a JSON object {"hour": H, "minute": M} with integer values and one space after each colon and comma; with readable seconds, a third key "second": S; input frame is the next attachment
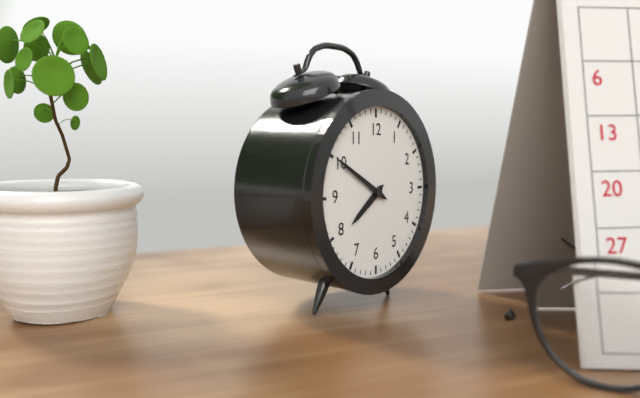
{"hour": 7, "minute": 50}
